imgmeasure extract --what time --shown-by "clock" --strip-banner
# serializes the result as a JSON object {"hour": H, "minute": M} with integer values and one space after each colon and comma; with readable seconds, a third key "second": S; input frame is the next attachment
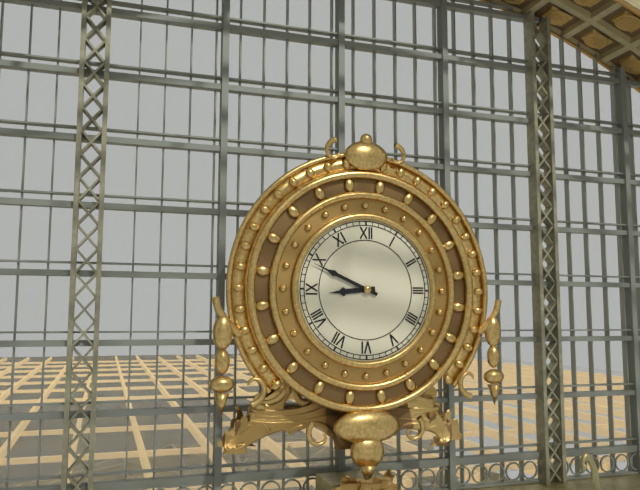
{"hour": 8, "minute": 49}
